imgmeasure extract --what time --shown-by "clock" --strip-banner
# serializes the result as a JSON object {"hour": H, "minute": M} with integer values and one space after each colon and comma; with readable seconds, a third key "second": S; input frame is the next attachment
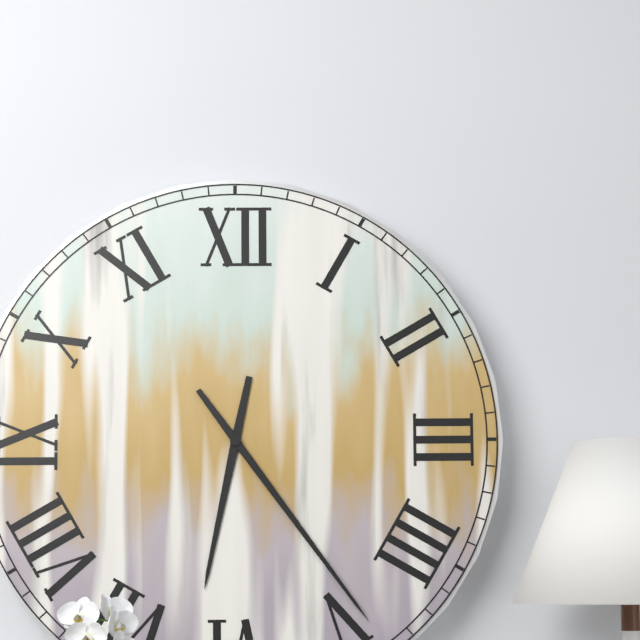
{"hour": 6, "minute": 24}
